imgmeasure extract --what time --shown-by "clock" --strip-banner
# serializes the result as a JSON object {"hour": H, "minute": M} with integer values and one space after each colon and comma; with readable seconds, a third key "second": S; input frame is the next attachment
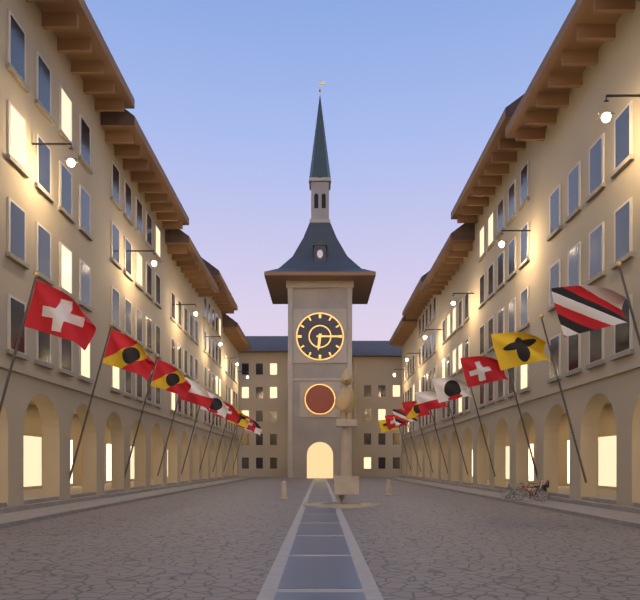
{"hour": 6, "minute": 15}
